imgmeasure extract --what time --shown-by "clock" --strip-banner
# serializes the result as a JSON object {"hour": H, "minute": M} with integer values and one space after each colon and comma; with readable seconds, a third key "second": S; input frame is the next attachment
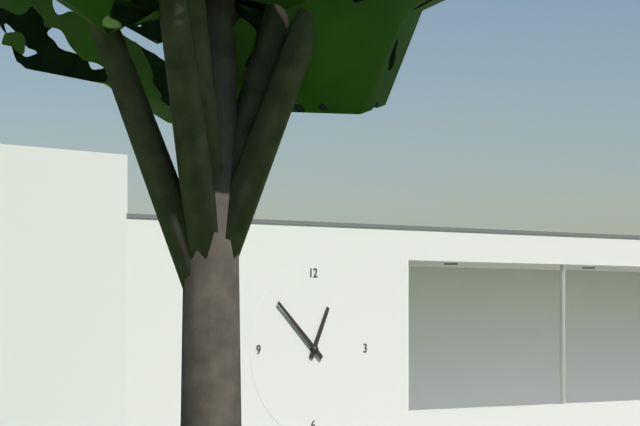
{"hour": 12, "minute": 52}
